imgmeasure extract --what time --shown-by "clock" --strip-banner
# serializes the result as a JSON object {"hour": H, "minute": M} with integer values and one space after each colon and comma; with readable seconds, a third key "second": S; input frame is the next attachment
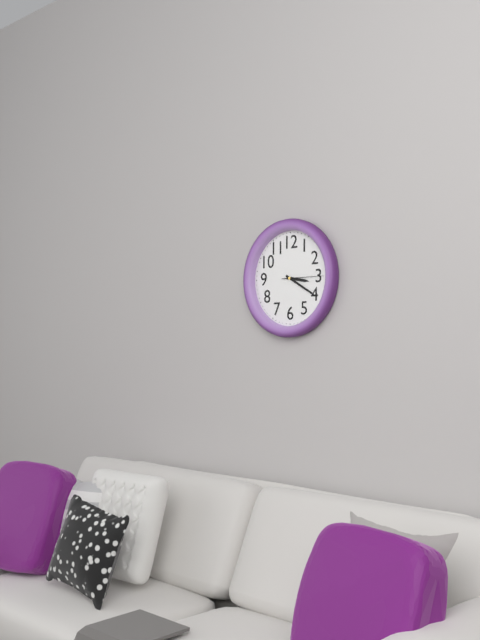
{"hour": 3, "minute": 20}
